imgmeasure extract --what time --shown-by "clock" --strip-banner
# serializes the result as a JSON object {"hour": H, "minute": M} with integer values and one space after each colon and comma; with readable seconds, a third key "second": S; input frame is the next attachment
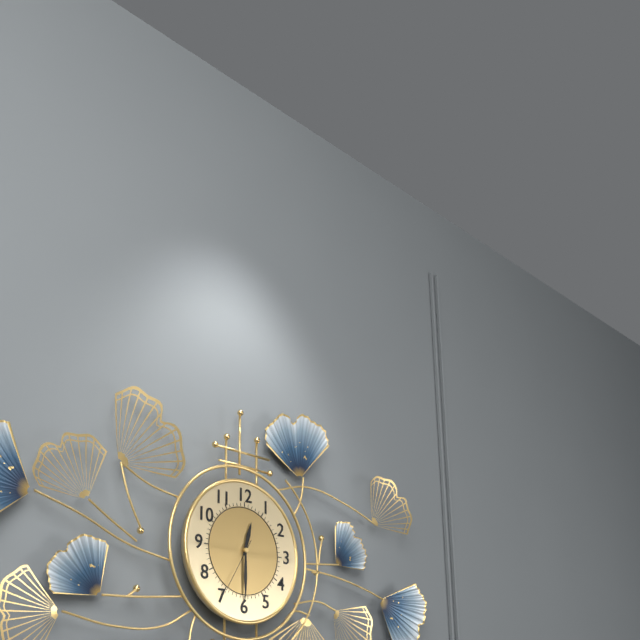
{"hour": 12, "minute": 30, "second": 35}
